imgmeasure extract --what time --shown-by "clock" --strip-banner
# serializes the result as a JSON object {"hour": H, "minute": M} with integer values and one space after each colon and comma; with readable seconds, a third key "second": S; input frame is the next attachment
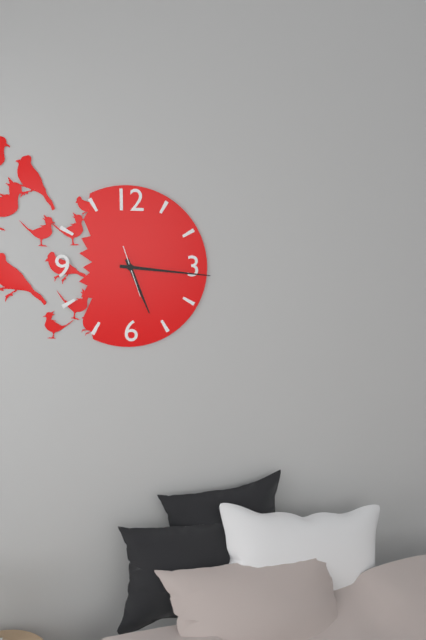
{"hour": 5, "minute": 16}
